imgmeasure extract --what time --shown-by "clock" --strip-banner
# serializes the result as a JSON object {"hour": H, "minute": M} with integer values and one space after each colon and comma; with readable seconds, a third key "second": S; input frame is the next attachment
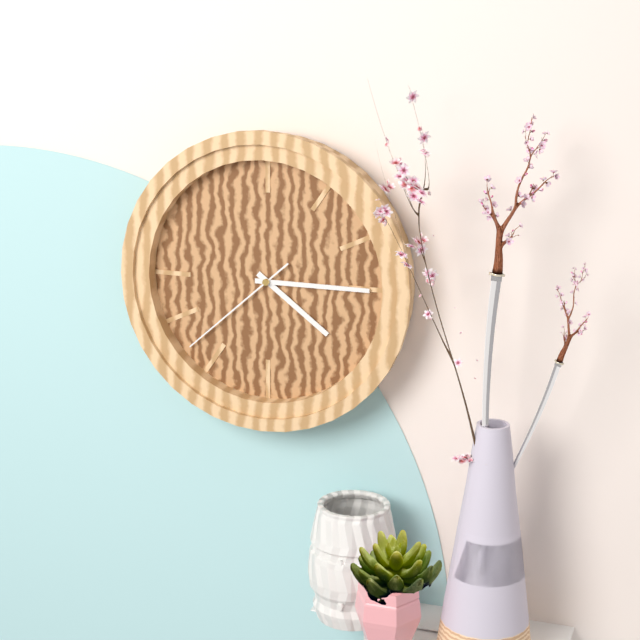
{"hour": 4, "minute": 15, "second": 38}
